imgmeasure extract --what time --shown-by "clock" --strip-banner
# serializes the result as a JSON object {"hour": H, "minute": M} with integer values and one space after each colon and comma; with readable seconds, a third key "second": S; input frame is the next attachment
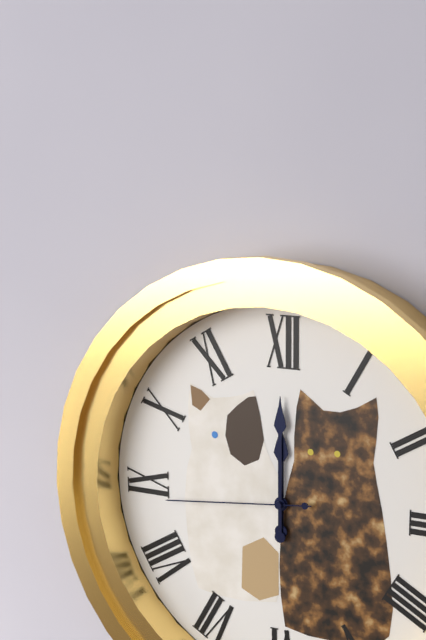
{"hour": 12, "minute": 0, "second": 44}
